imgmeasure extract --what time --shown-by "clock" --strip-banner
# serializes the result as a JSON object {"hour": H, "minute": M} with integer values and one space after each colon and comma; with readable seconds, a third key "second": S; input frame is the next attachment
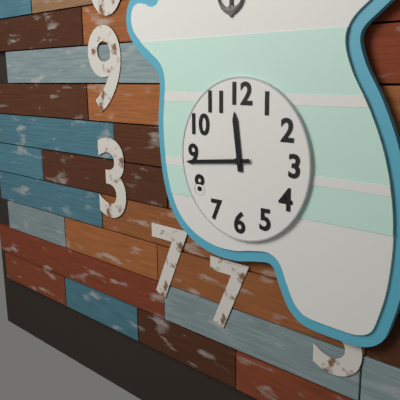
{"hour": 11, "minute": 44}
